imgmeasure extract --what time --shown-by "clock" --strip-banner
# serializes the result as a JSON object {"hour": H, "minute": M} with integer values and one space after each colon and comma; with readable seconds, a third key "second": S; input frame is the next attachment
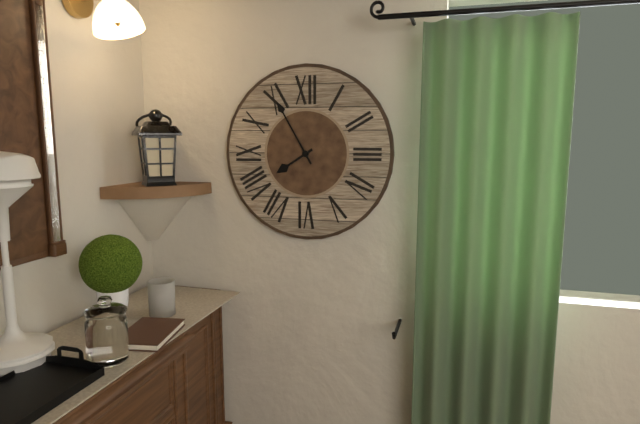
{"hour": 7, "minute": 55}
